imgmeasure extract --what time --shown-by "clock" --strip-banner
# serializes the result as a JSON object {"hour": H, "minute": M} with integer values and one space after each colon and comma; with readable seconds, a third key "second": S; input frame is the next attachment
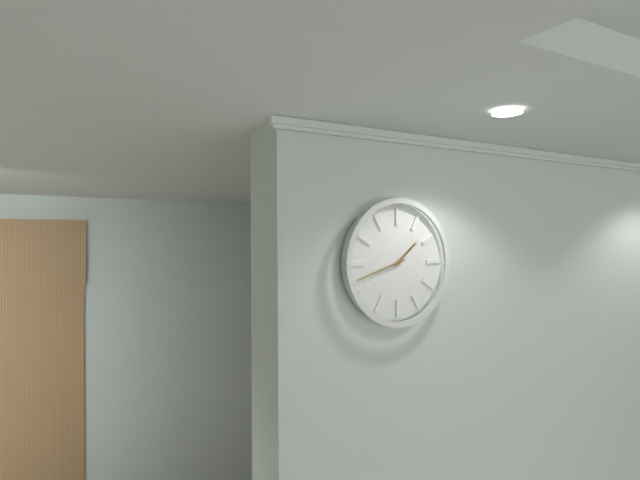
{"hour": 1, "minute": 42}
